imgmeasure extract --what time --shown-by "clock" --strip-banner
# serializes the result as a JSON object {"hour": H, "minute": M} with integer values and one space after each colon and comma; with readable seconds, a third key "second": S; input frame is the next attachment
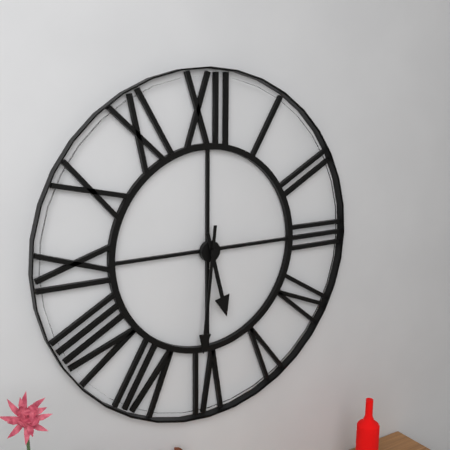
{"hour": 5, "minute": 31}
